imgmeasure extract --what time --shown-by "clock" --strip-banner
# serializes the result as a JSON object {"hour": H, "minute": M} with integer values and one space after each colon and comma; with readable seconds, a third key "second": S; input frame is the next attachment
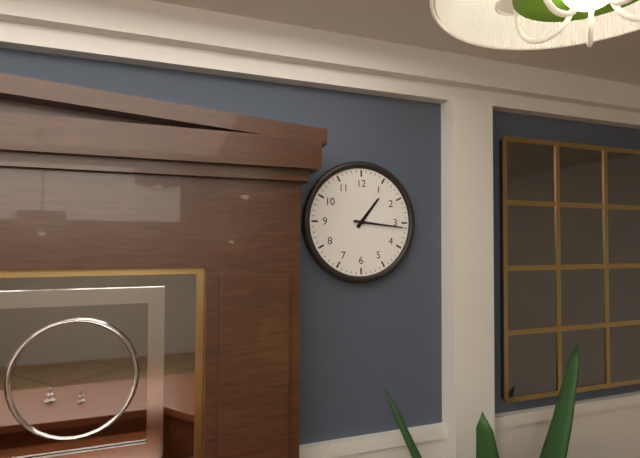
{"hour": 1, "minute": 16}
